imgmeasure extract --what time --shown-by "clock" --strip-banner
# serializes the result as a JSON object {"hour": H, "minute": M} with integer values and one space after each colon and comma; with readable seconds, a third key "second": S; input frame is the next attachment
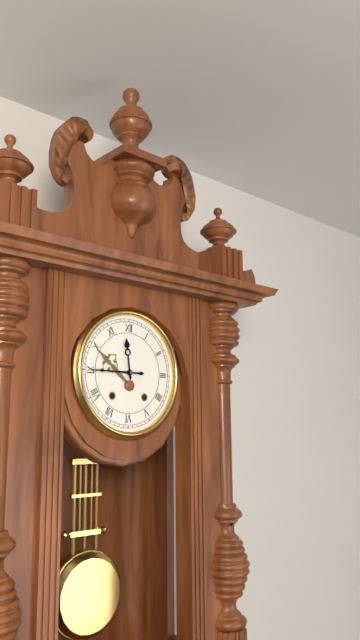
{"hour": 11, "minute": 45}
